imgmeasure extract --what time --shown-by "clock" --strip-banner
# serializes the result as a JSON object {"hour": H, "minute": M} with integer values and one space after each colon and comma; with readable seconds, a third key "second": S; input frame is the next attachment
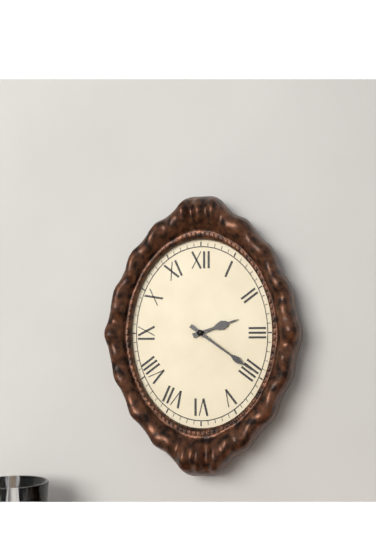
{"hour": 2, "minute": 21}
